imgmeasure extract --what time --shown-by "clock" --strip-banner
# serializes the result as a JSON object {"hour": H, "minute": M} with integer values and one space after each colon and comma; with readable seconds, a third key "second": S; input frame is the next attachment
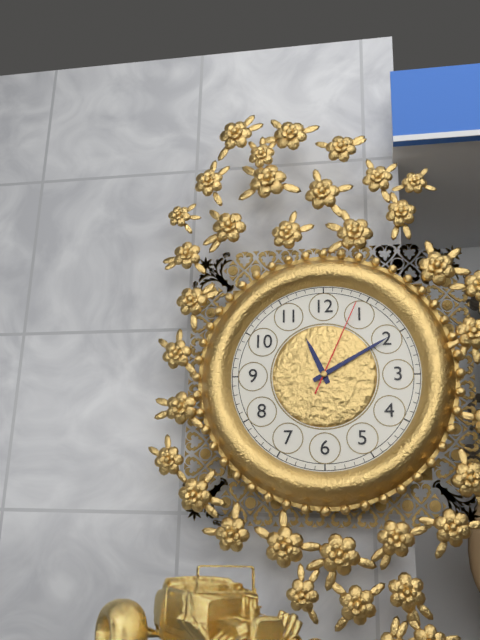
{"hour": 11, "minute": 10, "second": 4}
